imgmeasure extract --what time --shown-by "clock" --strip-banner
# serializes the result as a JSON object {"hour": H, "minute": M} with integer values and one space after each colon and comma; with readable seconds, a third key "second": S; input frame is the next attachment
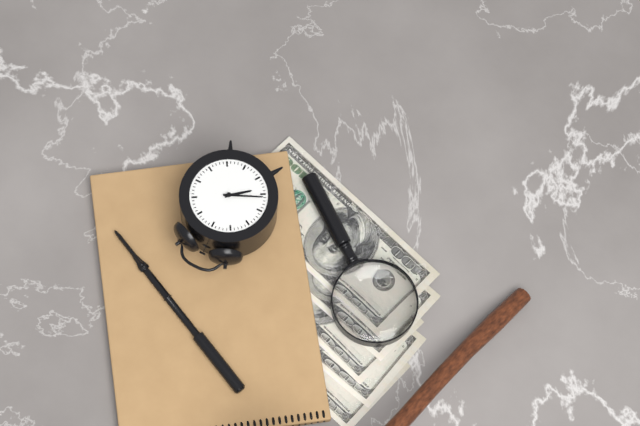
{"hour": 7, "minute": 41}
